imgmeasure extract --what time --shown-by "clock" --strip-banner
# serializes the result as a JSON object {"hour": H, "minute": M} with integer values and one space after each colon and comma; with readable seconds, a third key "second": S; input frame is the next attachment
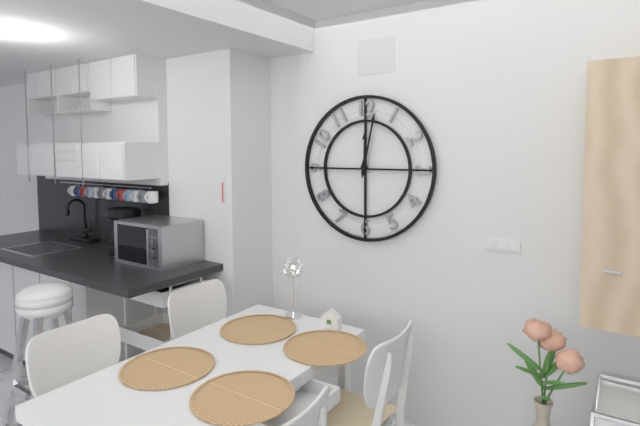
{"hour": 12, "minute": 2}
